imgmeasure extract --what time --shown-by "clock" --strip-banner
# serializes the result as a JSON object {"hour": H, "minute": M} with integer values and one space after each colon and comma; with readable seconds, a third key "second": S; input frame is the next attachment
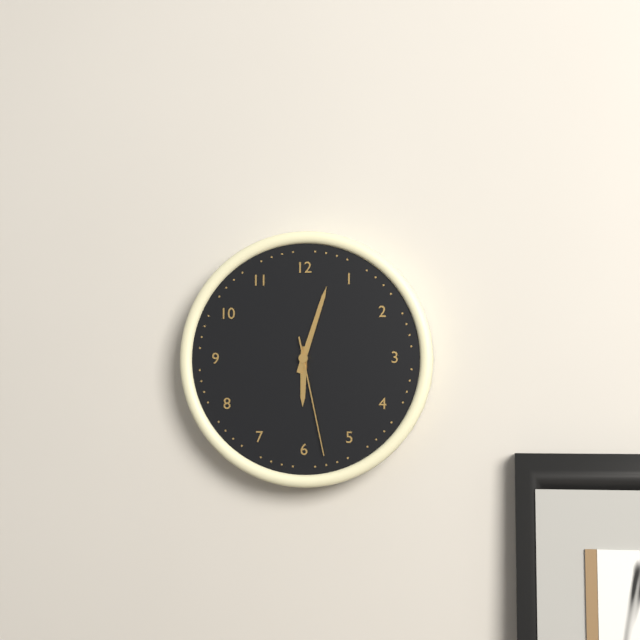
{"hour": 6, "minute": 3, "second": 28}
